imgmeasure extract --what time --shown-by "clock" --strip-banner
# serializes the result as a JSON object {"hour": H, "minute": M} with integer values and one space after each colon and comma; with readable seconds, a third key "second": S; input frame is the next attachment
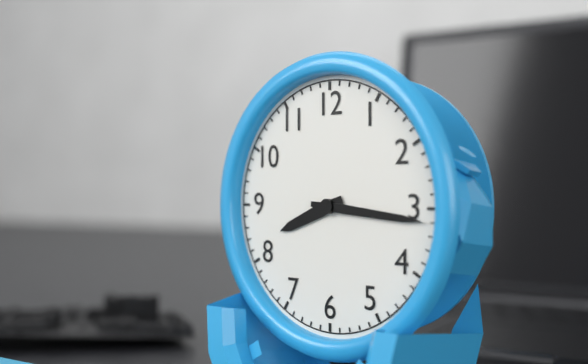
{"hour": 8, "minute": 16}
